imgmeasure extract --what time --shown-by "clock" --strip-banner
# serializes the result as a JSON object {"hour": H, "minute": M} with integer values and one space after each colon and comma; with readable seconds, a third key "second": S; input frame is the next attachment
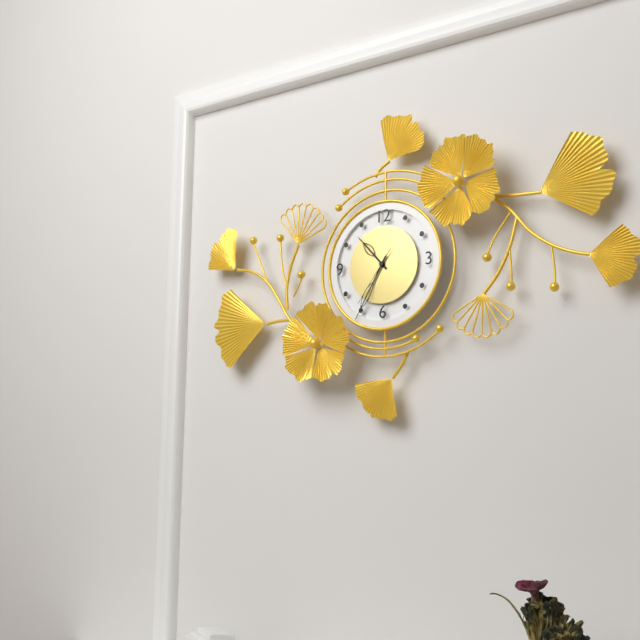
{"hour": 10, "minute": 35, "second": 36}
